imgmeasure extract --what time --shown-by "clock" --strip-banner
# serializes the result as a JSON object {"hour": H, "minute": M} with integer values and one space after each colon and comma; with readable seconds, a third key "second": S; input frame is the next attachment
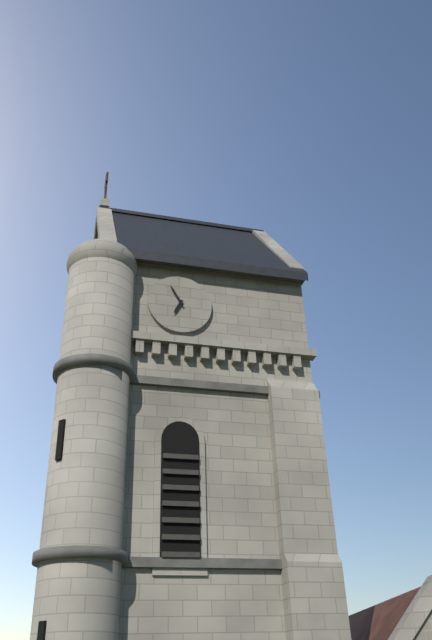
{"hour": 6, "minute": 55}
